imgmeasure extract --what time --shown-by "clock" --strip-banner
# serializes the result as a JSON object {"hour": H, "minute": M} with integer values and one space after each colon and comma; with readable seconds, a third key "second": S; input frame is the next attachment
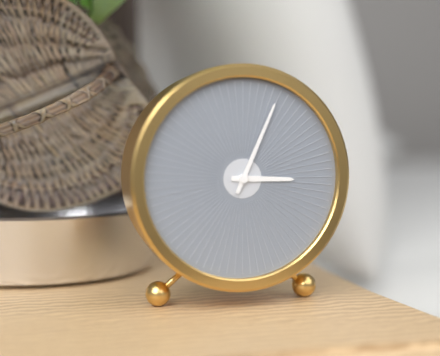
{"hour": 3, "minute": 4}
